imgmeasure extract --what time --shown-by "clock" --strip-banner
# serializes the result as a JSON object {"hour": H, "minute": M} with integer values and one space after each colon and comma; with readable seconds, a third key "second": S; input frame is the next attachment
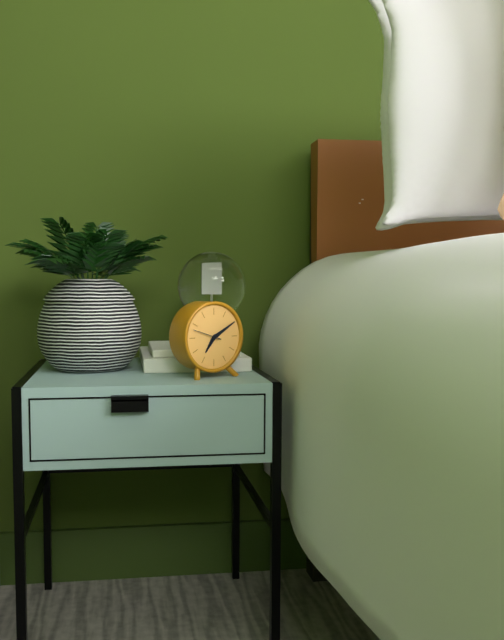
{"hour": 7, "minute": 10}
